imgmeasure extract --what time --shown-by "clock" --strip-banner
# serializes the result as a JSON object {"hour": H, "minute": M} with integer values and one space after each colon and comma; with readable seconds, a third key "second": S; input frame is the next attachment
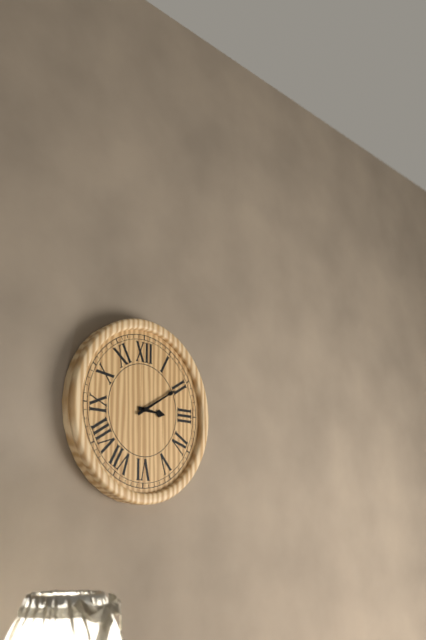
{"hour": 3, "minute": 10}
